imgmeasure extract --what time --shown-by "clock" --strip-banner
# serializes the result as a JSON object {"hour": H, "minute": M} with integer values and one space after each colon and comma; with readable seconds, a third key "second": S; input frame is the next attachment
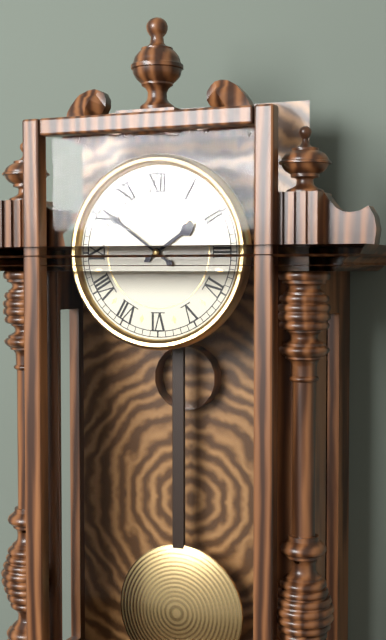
{"hour": 1, "minute": 51}
